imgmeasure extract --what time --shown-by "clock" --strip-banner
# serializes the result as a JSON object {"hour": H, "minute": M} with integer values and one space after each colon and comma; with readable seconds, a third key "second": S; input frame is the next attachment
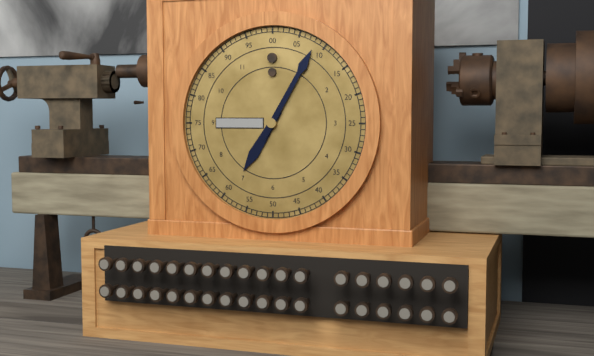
{"hour": 7, "minute": 5}
